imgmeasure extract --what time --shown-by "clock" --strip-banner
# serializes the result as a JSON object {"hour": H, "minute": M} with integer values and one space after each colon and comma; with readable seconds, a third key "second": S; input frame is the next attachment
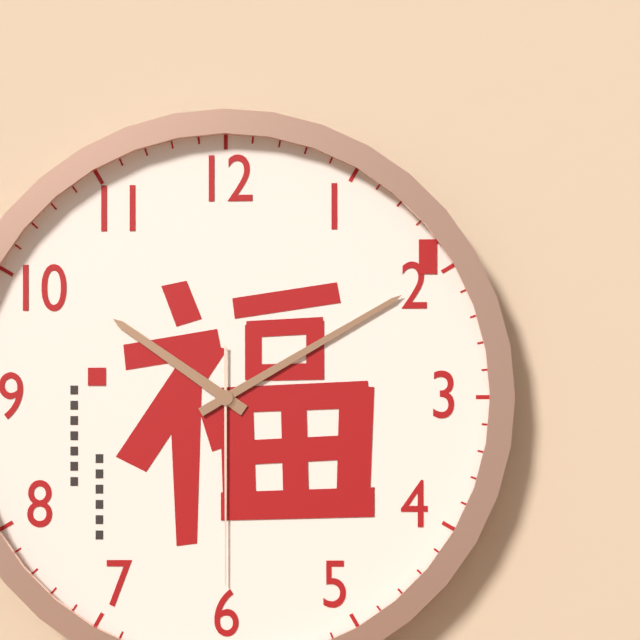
{"hour": 10, "minute": 10, "second": 30}
